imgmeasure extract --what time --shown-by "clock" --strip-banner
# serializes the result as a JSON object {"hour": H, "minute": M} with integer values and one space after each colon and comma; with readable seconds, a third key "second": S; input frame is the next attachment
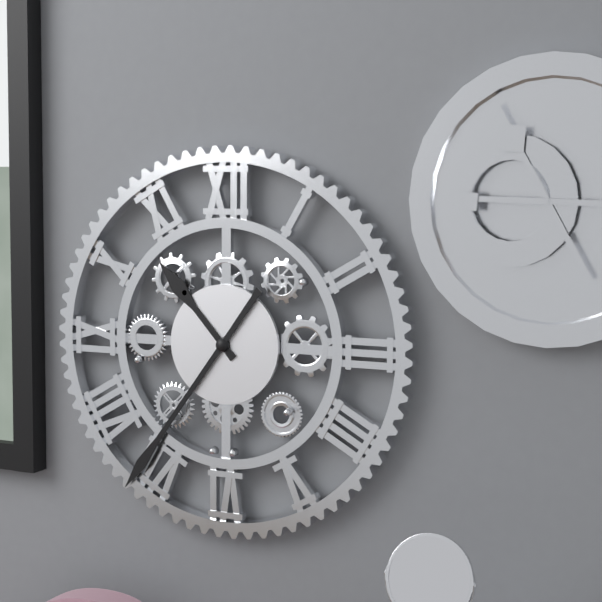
{"hour": 10, "minute": 36}
